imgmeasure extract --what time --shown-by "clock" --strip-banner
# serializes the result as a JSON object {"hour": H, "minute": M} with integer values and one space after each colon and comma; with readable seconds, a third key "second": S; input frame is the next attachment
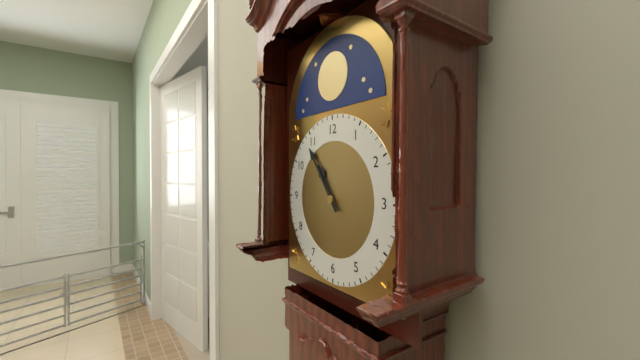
{"hour": 10, "minute": 54}
